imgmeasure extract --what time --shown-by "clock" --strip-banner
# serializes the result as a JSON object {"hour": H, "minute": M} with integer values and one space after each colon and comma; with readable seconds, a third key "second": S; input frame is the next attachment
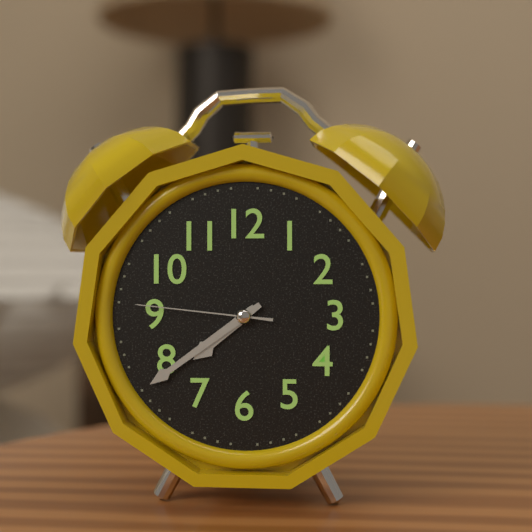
{"hour": 7, "minute": 39, "second": 46}
